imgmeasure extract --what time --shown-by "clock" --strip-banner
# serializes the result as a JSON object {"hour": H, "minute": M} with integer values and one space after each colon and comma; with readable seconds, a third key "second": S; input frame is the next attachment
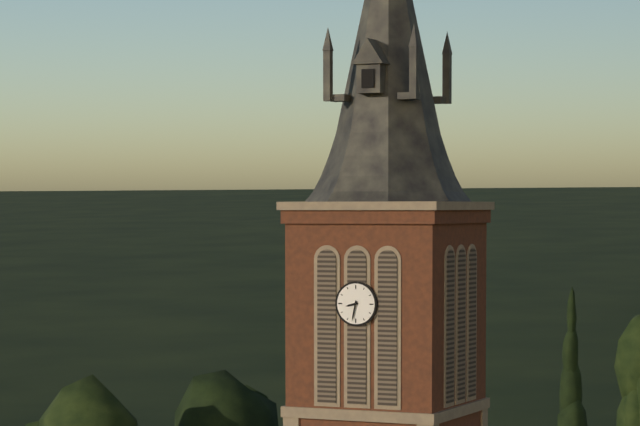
{"hour": 8, "minute": 32}
